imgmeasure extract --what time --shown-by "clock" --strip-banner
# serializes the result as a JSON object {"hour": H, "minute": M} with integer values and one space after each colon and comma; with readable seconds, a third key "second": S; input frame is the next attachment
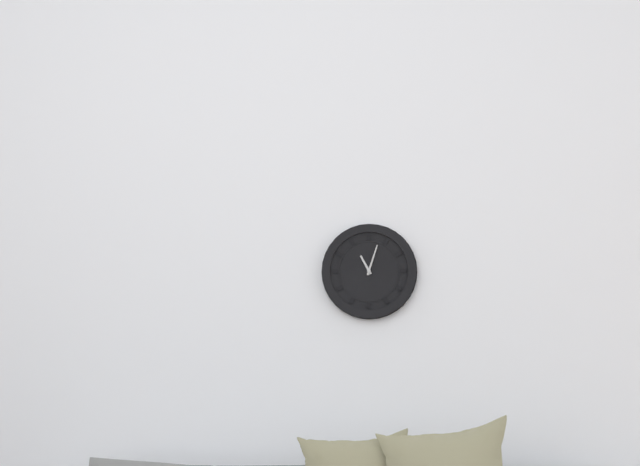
{"hour": 11, "minute": 3}
